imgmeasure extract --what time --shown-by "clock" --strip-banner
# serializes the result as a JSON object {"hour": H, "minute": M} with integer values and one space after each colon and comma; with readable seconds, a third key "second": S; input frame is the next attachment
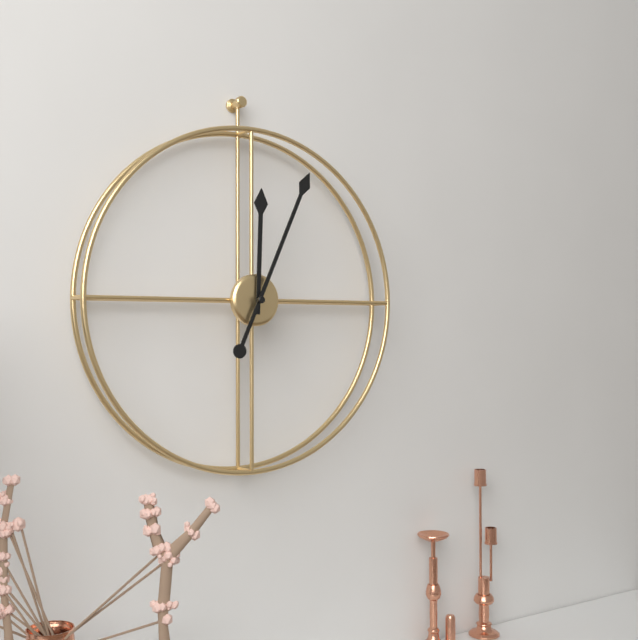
{"hour": 12, "minute": 4}
